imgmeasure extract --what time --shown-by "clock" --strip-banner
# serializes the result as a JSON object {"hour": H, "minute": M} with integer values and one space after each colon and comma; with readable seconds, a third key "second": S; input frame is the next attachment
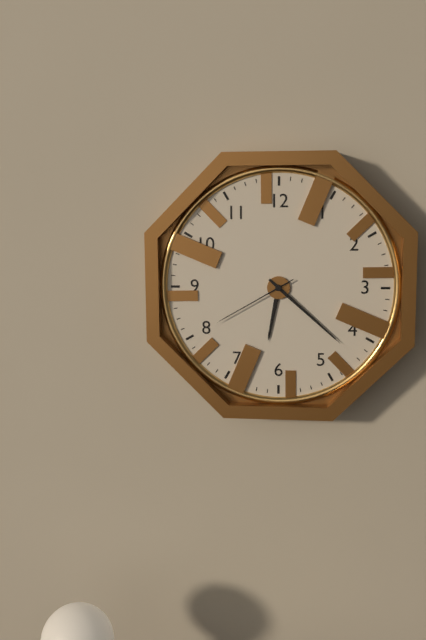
{"hour": 6, "minute": 22, "second": 40}
